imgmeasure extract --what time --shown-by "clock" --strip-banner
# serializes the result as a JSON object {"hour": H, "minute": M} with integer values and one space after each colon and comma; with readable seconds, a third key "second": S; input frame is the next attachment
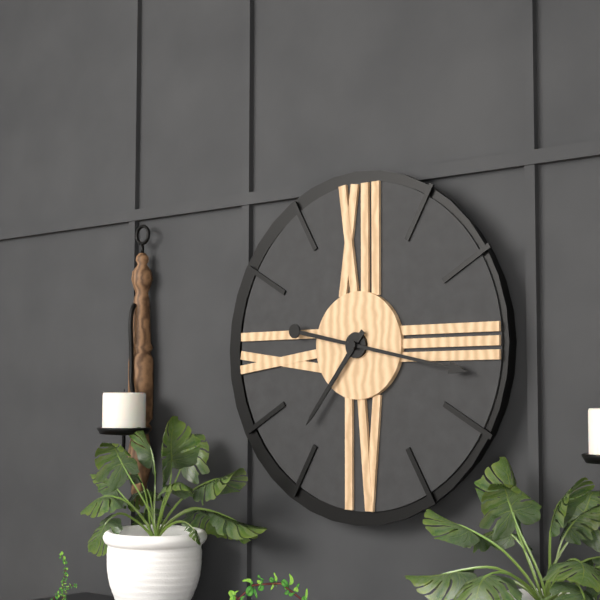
{"hour": 7, "minute": 17}
